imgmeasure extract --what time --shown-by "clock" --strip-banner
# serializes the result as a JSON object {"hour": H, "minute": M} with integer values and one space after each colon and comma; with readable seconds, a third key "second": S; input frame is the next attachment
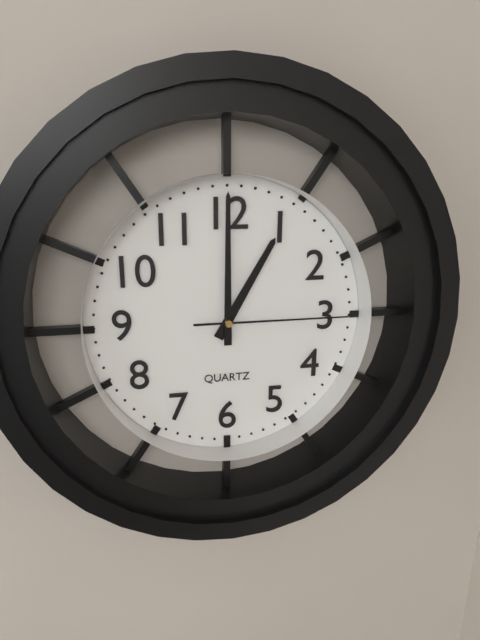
{"hour": 1, "minute": 0, "second": 15}
